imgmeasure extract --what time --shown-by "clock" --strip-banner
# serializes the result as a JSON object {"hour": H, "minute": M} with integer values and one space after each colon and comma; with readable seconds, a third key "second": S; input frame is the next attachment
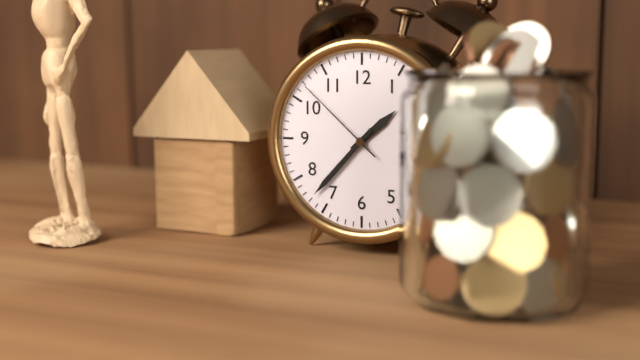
{"hour": 1, "minute": 37, "second": 52}
